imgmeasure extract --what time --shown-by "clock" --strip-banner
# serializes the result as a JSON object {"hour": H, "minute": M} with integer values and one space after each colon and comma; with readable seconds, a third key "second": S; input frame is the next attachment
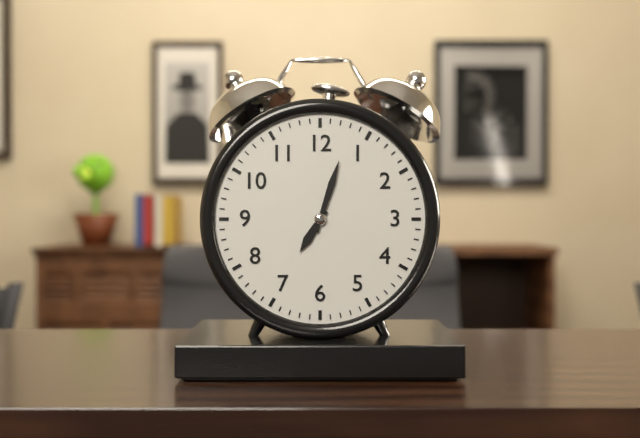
{"hour": 7, "minute": 3}
